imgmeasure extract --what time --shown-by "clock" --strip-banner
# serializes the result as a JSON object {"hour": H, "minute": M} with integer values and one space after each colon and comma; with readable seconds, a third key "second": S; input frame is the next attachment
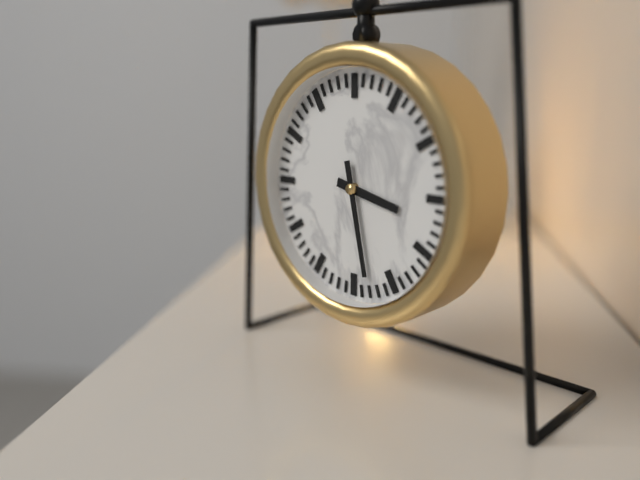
{"hour": 3, "minute": 28}
